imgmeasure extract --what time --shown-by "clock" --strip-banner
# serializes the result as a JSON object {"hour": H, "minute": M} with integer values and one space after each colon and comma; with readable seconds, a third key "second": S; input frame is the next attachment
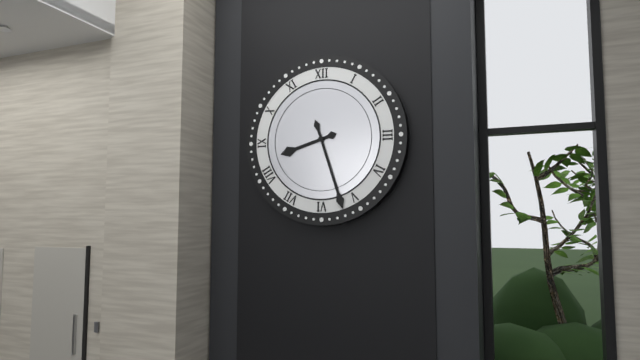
{"hour": 8, "minute": 27}
